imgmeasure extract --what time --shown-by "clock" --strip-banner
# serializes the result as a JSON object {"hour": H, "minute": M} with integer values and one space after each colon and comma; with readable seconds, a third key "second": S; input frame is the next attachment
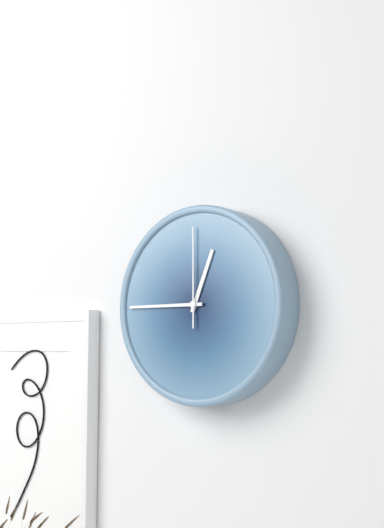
{"hour": 12, "minute": 45, "second": 0}
